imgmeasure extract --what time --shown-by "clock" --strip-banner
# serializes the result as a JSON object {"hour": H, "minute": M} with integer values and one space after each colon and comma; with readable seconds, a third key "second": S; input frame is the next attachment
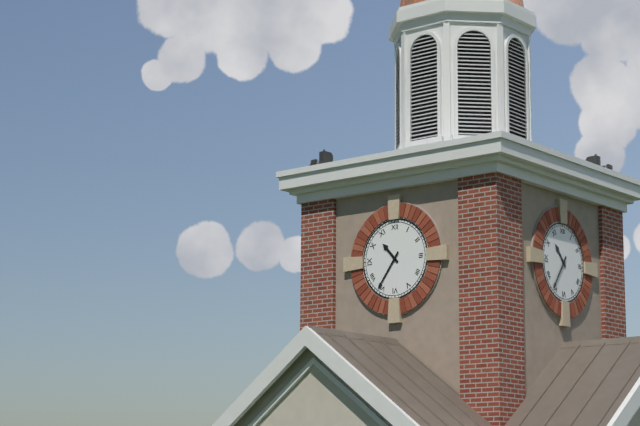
{"hour": 10, "minute": 36}
